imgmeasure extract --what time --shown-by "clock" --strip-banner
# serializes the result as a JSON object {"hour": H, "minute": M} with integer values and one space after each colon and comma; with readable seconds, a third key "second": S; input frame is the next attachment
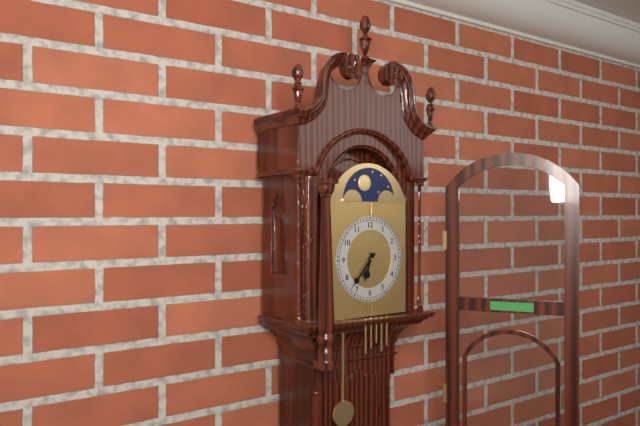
{"hour": 6, "minute": 37}
